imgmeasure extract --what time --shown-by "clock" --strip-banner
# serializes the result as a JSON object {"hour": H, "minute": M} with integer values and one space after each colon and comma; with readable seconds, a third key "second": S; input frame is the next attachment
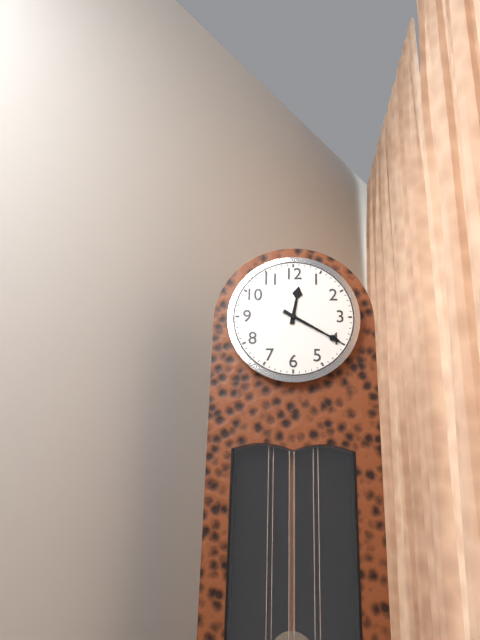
{"hour": 12, "minute": 20}
